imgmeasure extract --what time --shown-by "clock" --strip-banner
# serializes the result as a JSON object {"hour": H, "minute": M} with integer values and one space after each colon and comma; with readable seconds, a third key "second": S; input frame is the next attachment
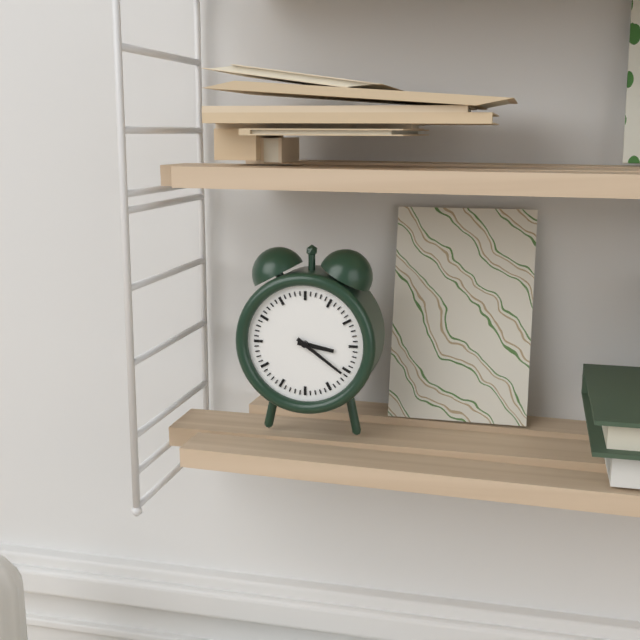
{"hour": 3, "minute": 21}
